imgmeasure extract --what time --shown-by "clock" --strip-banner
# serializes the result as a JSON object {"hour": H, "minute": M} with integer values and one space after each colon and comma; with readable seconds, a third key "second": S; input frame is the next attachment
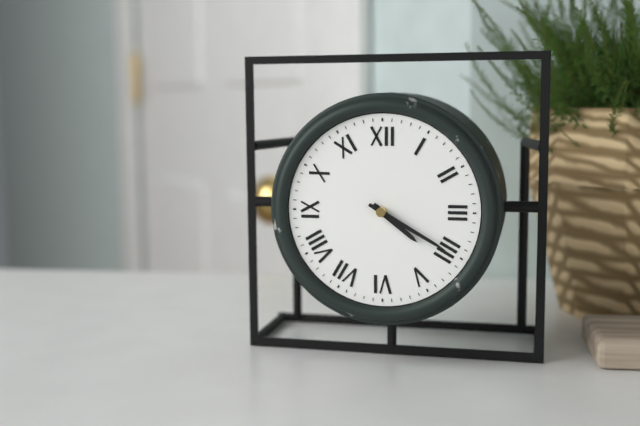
{"hour": 4, "minute": 20}
